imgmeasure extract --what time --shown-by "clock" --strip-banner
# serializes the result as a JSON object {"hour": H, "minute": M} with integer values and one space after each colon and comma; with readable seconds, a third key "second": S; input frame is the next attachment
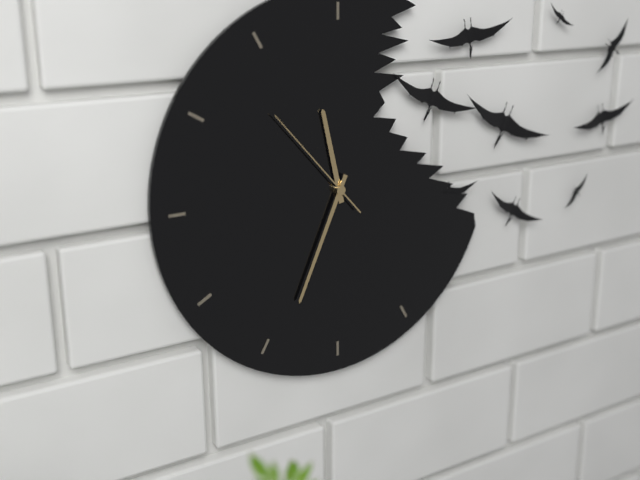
{"hour": 11, "minute": 34, "second": 53}
